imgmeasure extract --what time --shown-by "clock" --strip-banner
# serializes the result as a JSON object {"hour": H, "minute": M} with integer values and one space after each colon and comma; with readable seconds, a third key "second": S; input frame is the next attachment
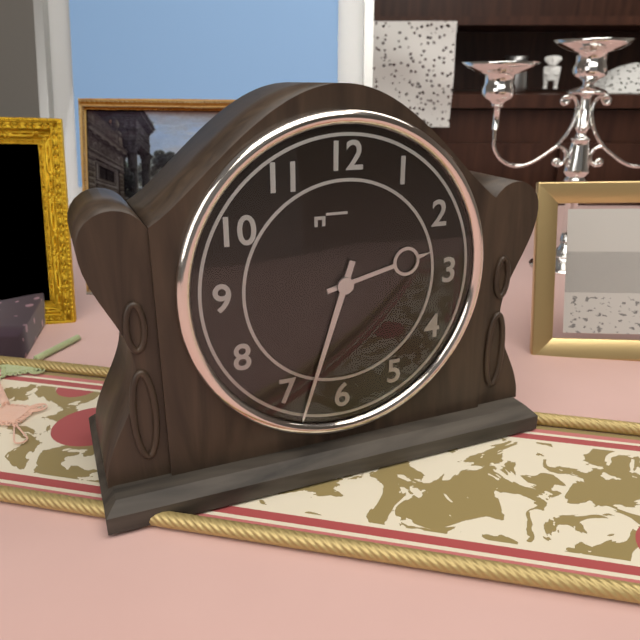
{"hour": 2, "minute": 33}
